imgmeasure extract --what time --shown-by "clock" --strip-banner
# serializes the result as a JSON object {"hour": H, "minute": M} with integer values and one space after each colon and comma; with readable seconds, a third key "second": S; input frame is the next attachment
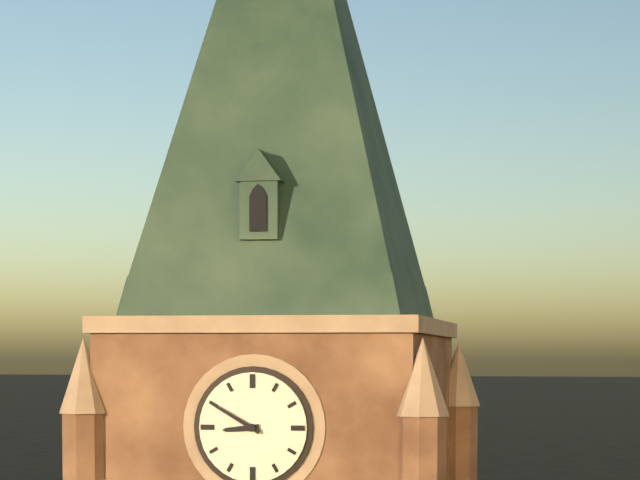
{"hour": 8, "minute": 50}
